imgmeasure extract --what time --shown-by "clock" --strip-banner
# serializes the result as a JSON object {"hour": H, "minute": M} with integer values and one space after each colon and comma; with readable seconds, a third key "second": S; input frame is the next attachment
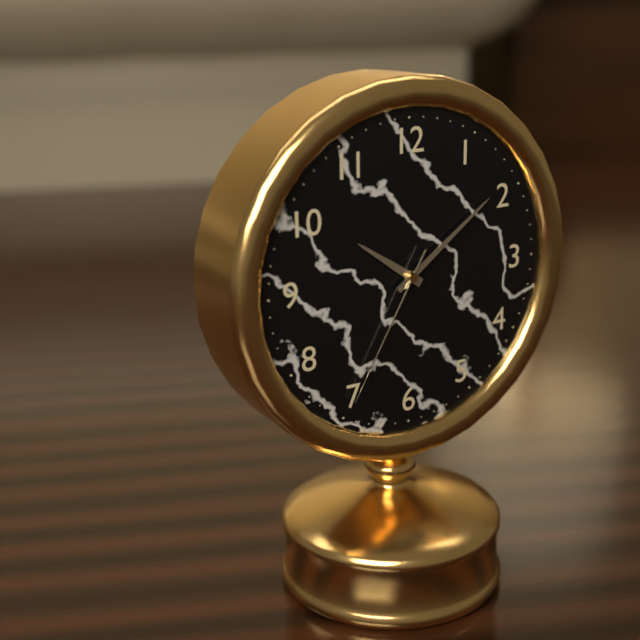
{"hour": 10, "minute": 9, "second": 35}
